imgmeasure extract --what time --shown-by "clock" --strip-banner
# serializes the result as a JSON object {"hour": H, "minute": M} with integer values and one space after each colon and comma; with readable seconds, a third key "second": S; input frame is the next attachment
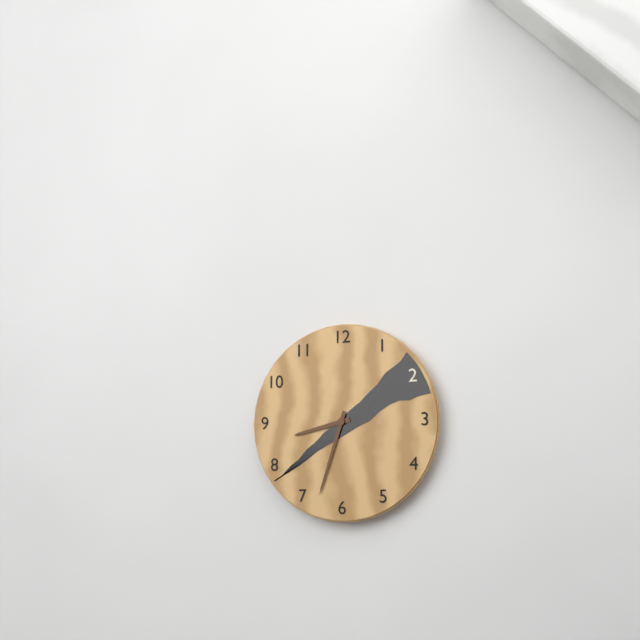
{"hour": 8, "minute": 33}
